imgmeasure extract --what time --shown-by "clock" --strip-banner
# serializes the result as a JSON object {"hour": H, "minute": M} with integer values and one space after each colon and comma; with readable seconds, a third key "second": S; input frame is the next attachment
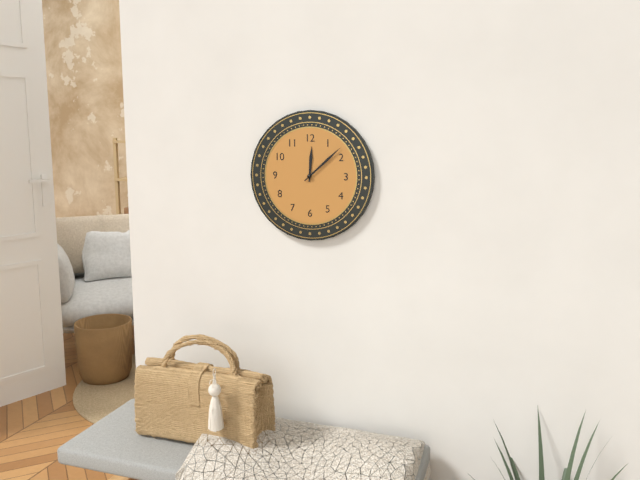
{"hour": 12, "minute": 8}
